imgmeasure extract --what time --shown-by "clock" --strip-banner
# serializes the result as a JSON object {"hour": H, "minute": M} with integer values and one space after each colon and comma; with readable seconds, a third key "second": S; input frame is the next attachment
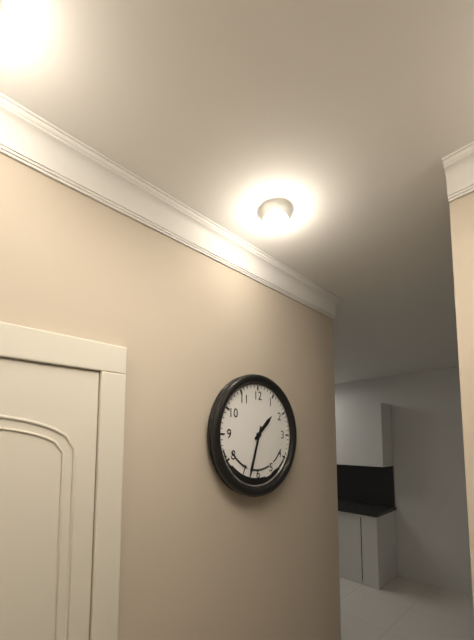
{"hour": 1, "minute": 33}
